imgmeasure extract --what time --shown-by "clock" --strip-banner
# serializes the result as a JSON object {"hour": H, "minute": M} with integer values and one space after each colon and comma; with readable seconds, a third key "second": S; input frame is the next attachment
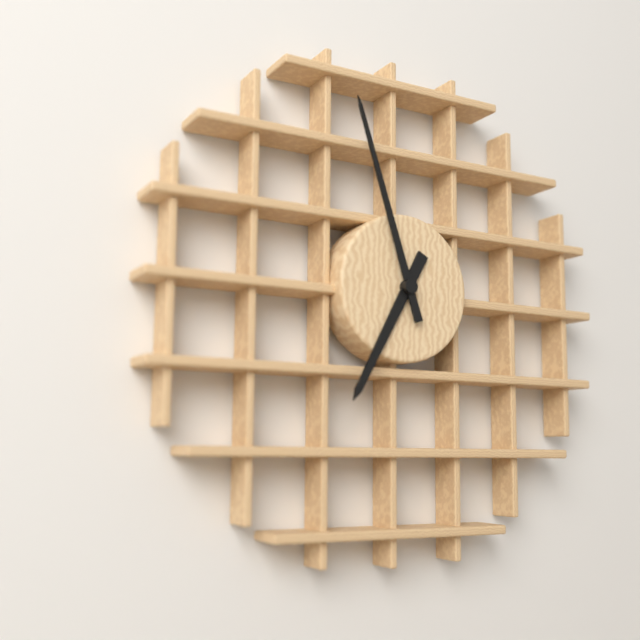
{"hour": 6, "minute": 57}
